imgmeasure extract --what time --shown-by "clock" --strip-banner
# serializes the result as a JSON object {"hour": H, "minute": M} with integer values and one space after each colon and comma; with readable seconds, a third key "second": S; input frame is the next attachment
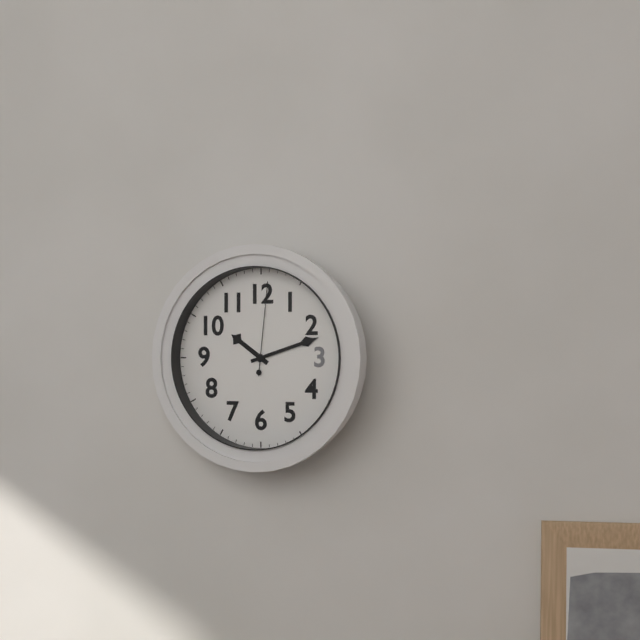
{"hour": 10, "minute": 12, "second": 1}
